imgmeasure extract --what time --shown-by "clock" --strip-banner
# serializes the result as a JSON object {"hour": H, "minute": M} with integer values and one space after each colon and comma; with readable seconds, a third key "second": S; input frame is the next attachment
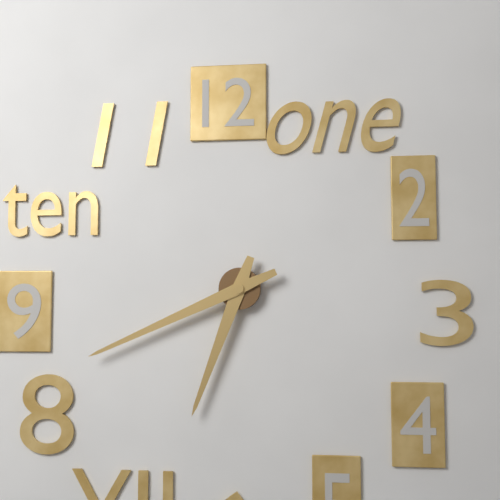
{"hour": 6, "minute": 41}
